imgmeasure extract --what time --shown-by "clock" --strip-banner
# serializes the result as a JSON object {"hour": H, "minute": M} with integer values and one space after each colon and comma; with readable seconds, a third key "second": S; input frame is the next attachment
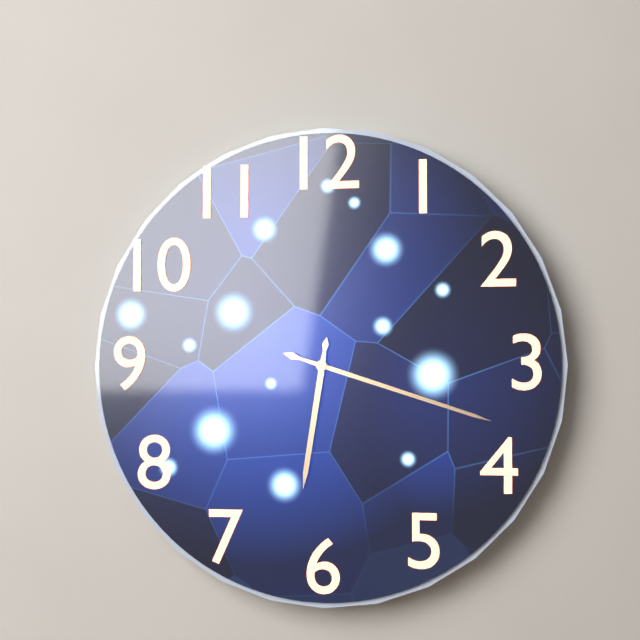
{"hour": 6, "minute": 18}
